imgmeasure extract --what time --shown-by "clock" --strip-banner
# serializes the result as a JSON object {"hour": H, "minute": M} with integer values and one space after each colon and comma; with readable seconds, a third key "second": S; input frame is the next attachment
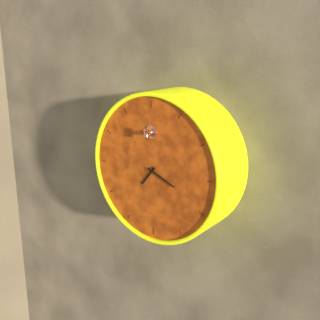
{"hour": 7, "minute": 19}
